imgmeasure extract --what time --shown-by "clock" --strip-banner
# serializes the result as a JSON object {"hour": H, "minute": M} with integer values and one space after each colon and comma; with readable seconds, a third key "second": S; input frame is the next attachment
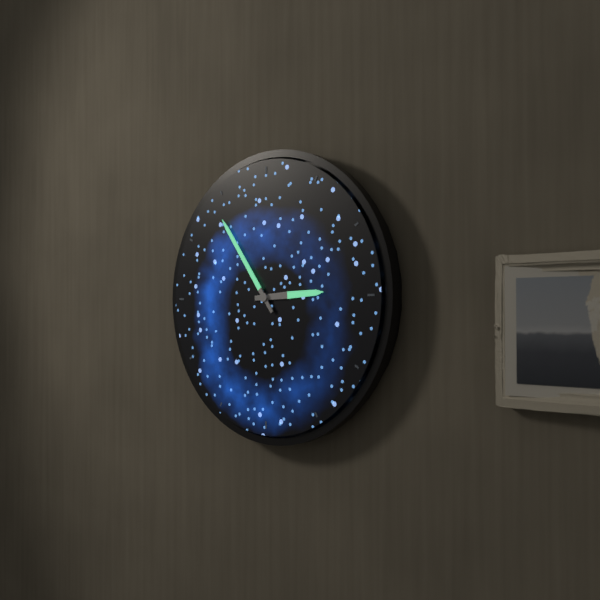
{"hour": 2, "minute": 54}
